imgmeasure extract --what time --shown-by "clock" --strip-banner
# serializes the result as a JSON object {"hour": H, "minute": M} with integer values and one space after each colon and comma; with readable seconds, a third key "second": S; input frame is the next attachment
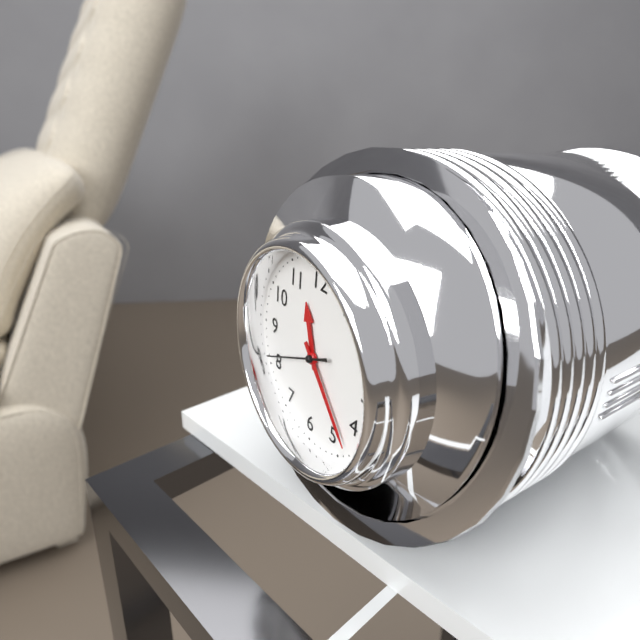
{"hour": 11, "minute": 23, "second": 41}
